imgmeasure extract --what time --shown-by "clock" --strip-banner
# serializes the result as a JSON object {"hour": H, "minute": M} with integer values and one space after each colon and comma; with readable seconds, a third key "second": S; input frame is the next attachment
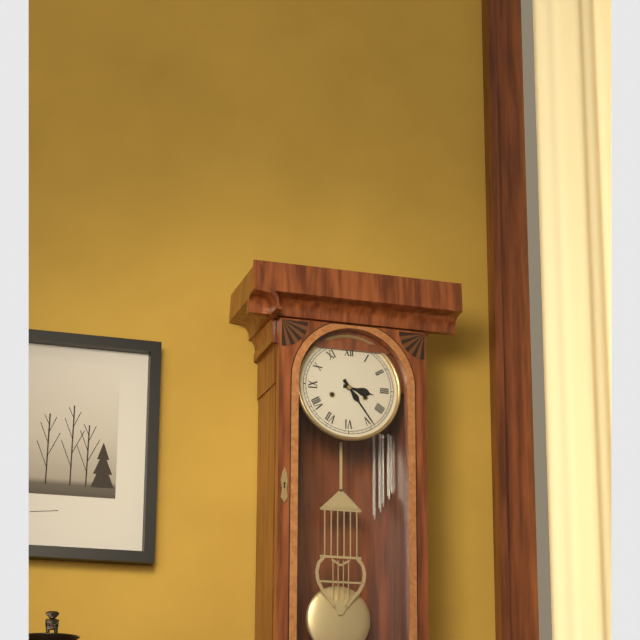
{"hour": 3, "minute": 24}
